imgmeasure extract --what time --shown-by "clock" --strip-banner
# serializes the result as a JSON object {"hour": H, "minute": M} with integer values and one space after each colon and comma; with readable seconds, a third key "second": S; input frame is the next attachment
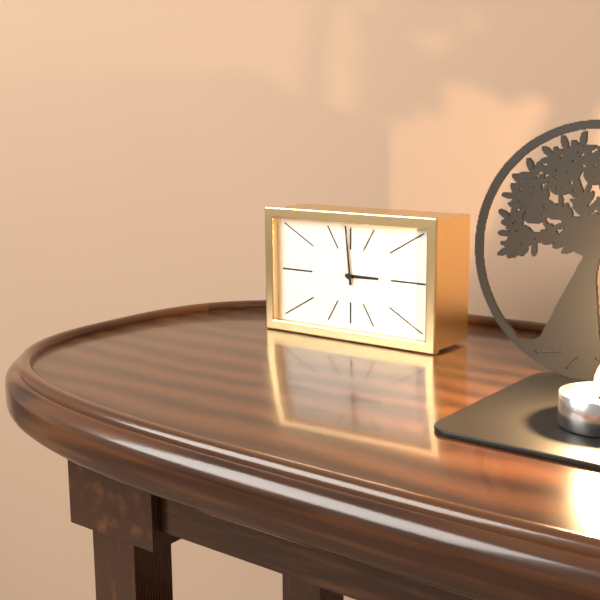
{"hour": 2, "minute": 59}
